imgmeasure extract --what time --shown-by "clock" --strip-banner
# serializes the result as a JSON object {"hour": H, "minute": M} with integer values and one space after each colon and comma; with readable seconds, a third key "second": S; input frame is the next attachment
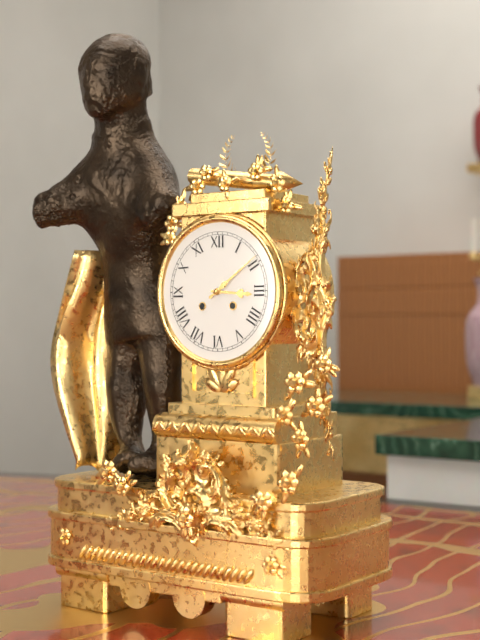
{"hour": 3, "minute": 9}
